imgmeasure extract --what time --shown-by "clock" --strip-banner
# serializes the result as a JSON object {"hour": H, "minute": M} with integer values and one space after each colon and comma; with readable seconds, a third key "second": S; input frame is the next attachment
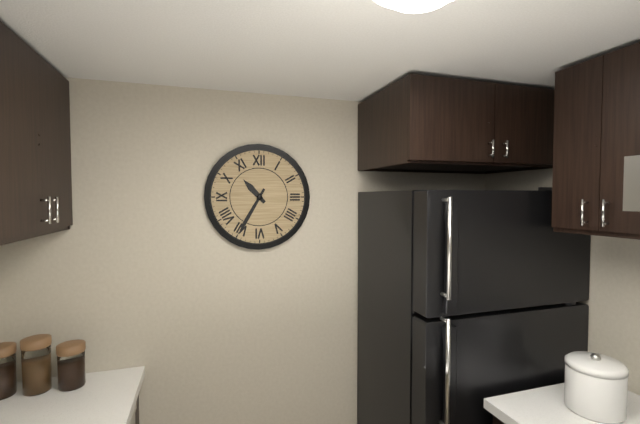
{"hour": 10, "minute": 35}
